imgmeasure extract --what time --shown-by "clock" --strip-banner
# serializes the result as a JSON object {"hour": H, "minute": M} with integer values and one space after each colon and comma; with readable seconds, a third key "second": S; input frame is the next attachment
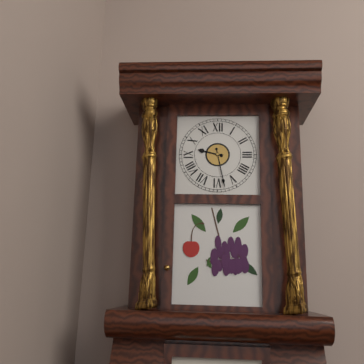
{"hour": 9, "minute": 28}
